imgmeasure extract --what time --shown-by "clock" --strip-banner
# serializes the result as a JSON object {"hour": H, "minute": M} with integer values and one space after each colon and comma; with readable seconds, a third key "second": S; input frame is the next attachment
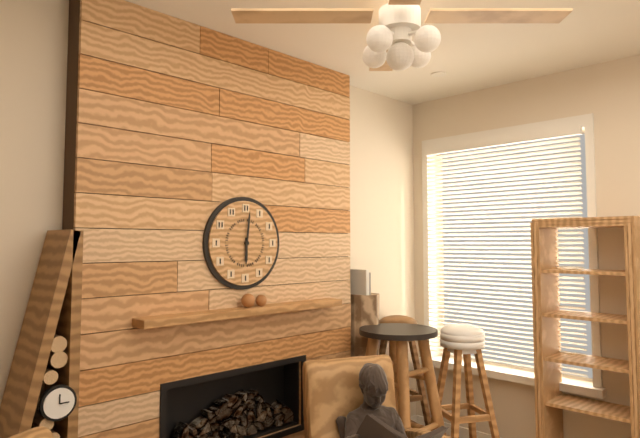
{"hour": 6, "minute": 1}
